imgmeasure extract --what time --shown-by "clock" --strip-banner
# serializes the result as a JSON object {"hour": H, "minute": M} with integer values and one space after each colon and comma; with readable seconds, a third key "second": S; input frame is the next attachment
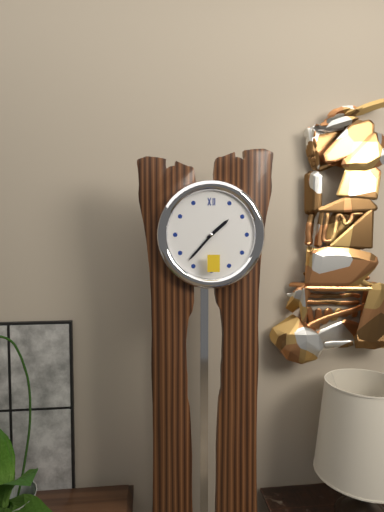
{"hour": 1, "minute": 37}
